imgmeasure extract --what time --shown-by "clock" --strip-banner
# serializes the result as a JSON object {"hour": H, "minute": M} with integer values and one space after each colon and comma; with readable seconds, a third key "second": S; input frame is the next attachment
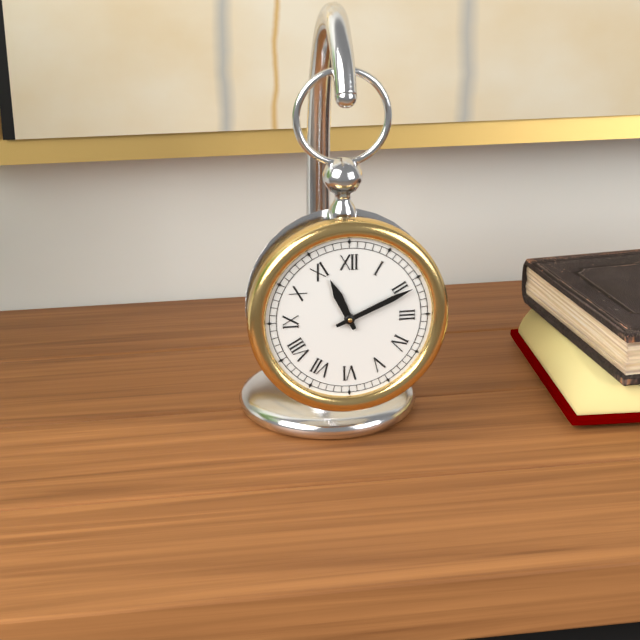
{"hour": 11, "minute": 11}
